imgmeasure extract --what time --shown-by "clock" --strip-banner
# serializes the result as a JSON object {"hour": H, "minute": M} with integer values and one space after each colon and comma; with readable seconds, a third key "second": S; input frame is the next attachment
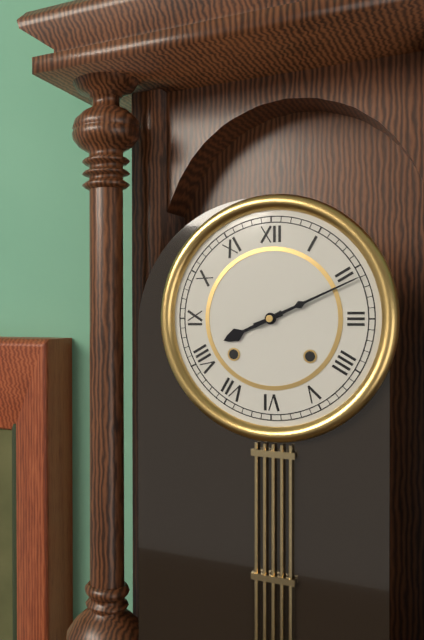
{"hour": 8, "minute": 11}
